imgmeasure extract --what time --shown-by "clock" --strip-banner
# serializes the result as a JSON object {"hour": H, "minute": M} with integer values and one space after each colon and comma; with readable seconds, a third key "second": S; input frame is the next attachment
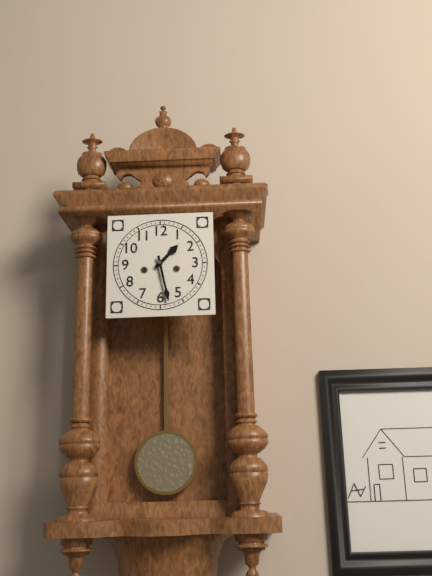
{"hour": 1, "minute": 28}
